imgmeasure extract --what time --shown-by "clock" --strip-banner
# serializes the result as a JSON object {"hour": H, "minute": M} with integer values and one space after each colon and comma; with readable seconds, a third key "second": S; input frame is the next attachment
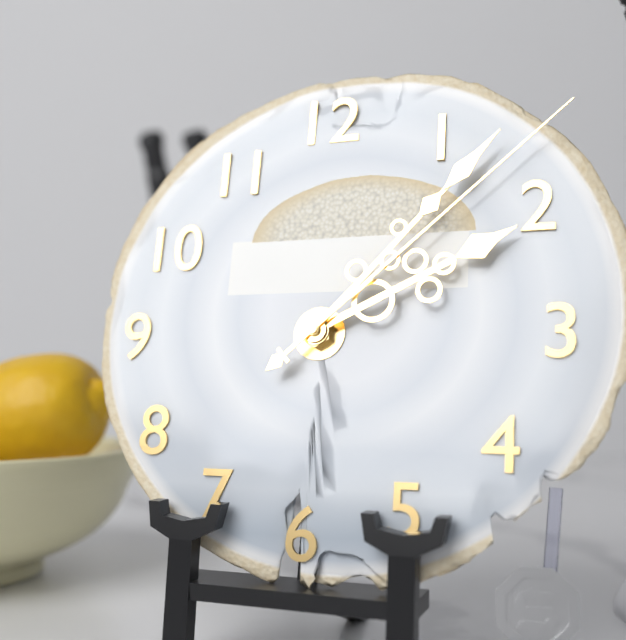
{"hour": 2, "minute": 7, "second": 8}
